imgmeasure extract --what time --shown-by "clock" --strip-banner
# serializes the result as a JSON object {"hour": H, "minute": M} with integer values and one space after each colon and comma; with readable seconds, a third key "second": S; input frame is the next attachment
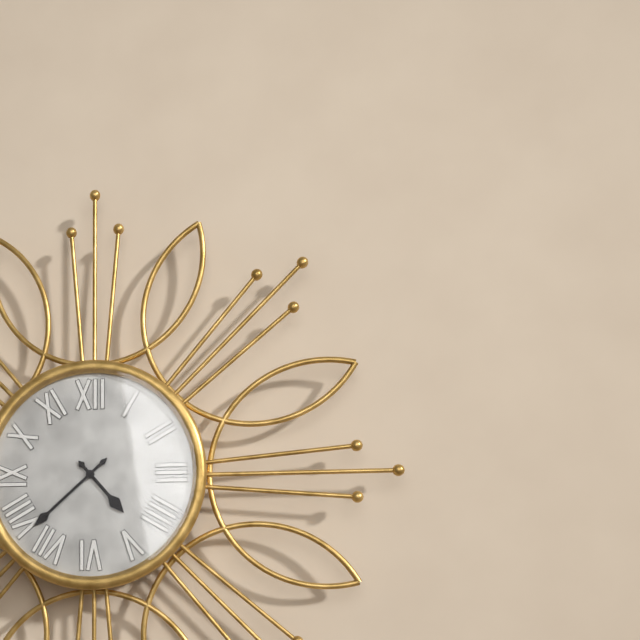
{"hour": 4, "minute": 38}
